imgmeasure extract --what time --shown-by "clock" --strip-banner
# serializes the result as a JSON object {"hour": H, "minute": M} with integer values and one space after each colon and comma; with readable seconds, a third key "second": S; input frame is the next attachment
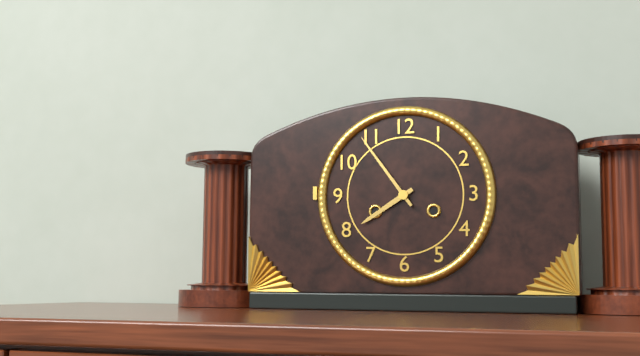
{"hour": 7, "minute": 54}
